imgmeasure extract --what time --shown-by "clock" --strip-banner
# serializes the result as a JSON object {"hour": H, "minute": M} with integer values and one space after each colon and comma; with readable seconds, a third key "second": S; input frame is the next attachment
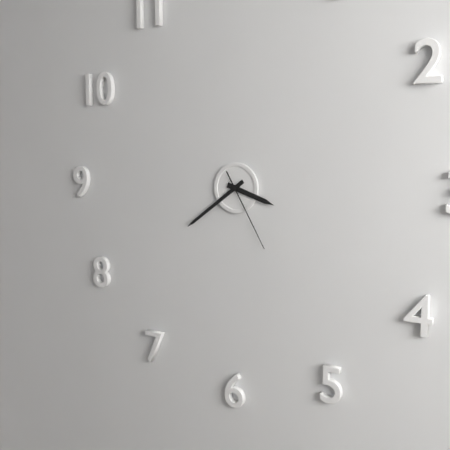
{"hour": 3, "minute": 39, "second": 25}
